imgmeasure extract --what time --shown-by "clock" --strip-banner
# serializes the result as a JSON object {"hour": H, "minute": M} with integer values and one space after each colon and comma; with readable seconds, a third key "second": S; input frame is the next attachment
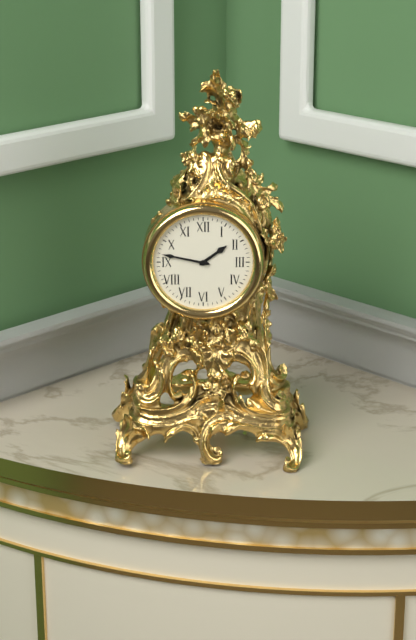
{"hour": 1, "minute": 47}
